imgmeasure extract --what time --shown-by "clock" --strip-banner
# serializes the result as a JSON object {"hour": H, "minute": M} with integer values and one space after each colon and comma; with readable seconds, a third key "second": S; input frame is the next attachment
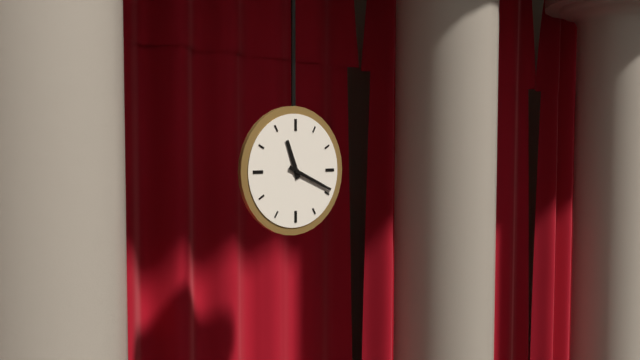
{"hour": 11, "minute": 19}
